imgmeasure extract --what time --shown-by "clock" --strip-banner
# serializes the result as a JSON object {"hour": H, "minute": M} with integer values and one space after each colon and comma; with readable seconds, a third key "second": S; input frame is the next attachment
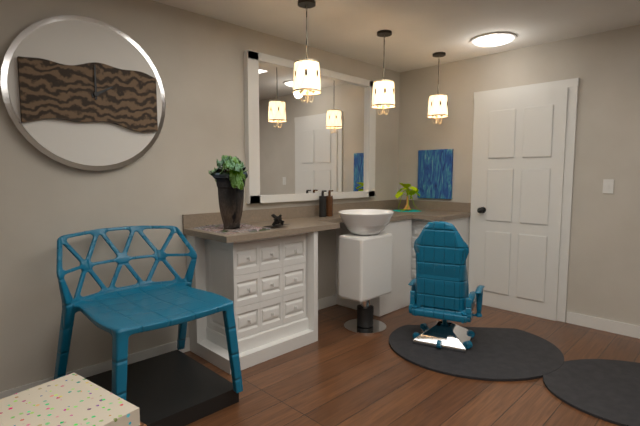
{"hour": 2, "minute": 0}
